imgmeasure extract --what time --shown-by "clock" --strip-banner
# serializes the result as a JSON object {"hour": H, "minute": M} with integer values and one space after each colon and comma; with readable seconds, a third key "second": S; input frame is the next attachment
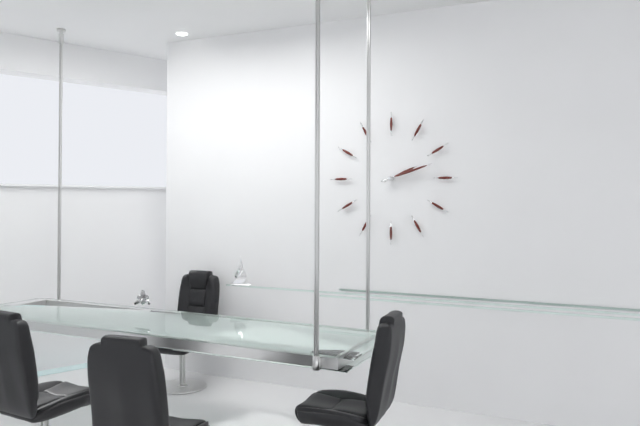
{"hour": 2, "minute": 12}
